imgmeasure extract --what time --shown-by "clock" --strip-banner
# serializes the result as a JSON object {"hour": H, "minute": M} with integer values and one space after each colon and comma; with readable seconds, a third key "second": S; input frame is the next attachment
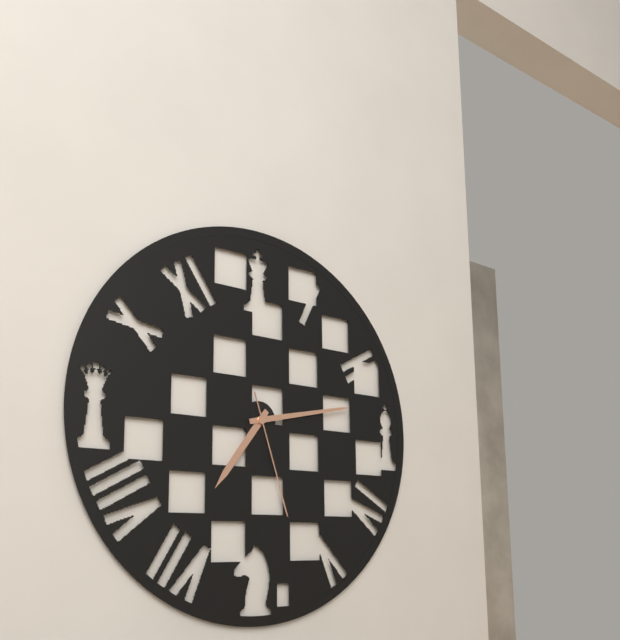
{"hour": 7, "minute": 13, "second": 27}
